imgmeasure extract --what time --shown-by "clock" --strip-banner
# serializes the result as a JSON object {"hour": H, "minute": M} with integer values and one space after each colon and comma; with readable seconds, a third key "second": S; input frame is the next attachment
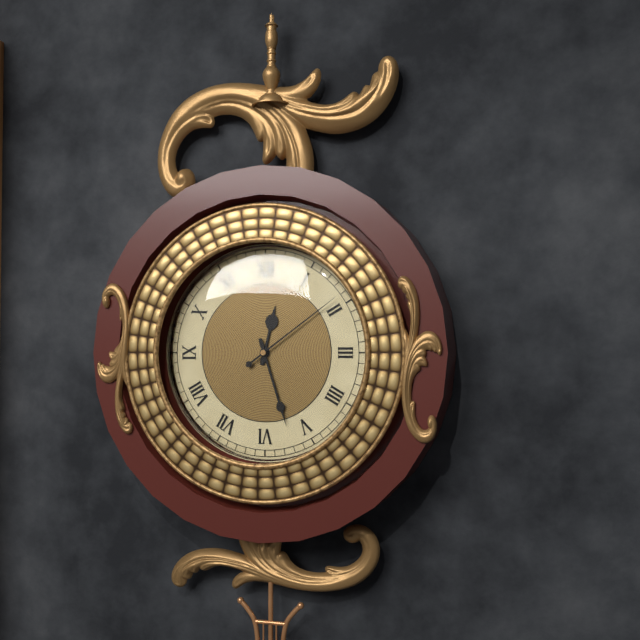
{"hour": 12, "minute": 27, "second": 9}
